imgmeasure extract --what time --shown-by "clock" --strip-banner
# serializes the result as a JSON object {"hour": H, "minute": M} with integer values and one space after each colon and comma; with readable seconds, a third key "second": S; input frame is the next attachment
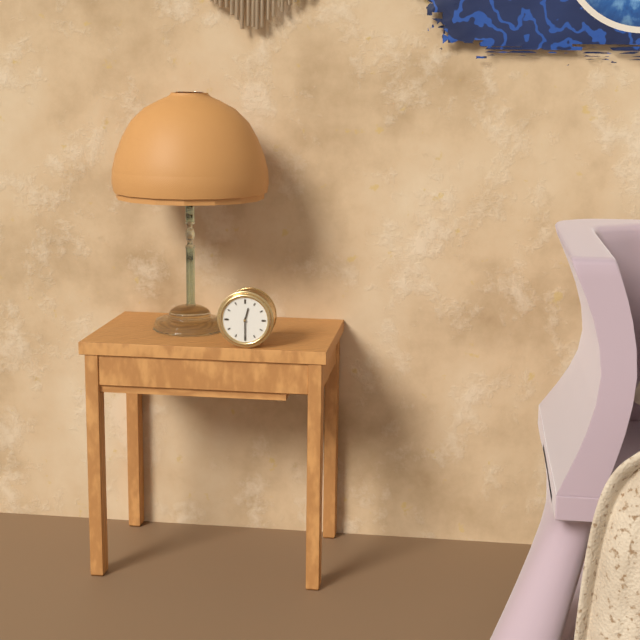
{"hour": 12, "minute": 30}
